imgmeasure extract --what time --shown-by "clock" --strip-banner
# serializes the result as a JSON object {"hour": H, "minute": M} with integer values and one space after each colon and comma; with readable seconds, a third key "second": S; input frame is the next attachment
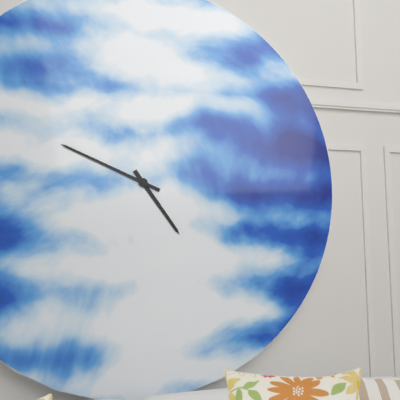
{"hour": 4, "minute": 49}
